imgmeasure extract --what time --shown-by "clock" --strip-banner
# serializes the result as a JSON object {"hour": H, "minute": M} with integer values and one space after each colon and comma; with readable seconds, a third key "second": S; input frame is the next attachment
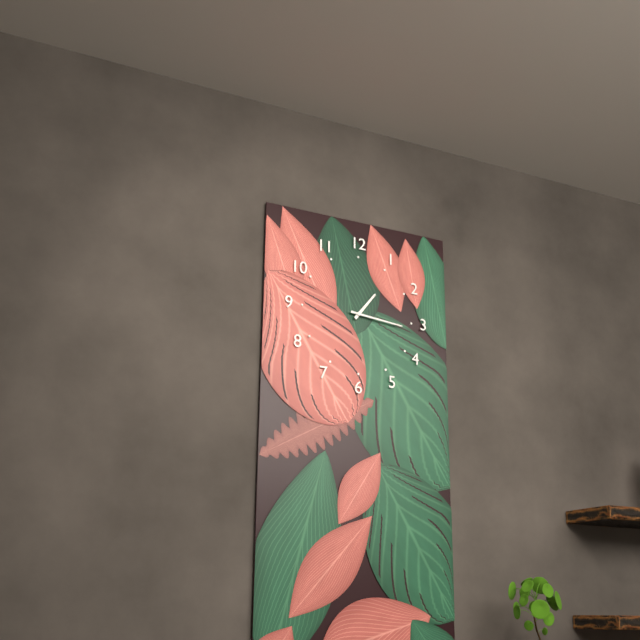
{"hour": 1, "minute": 16}
